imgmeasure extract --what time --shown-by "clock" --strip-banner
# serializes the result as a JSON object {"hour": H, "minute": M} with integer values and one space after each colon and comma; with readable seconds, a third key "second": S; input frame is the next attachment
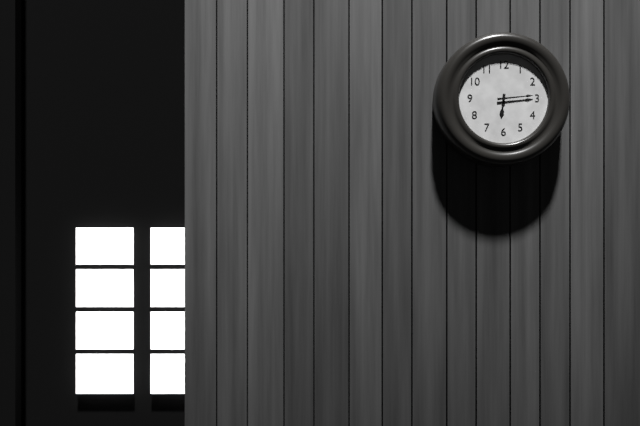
{"hour": 6, "minute": 14}
